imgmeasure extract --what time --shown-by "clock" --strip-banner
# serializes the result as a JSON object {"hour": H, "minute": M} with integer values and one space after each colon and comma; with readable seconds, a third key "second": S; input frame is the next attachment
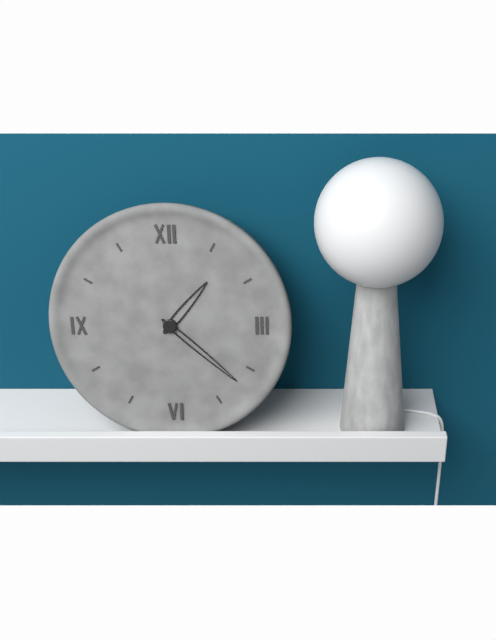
{"hour": 1, "minute": 22}
